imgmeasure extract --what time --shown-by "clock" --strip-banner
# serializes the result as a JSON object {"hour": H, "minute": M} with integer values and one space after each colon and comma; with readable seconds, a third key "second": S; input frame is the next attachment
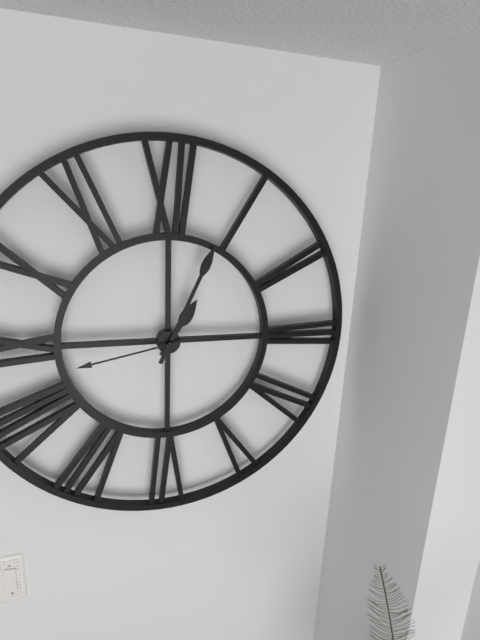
{"hour": 1, "minute": 4, "second": 43}
